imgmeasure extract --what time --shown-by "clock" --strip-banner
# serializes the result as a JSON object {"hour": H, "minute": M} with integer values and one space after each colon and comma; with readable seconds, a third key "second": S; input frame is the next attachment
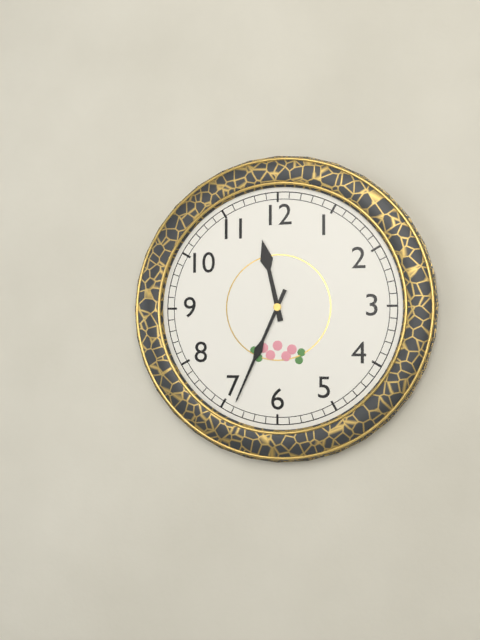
{"hour": 11, "minute": 34}
